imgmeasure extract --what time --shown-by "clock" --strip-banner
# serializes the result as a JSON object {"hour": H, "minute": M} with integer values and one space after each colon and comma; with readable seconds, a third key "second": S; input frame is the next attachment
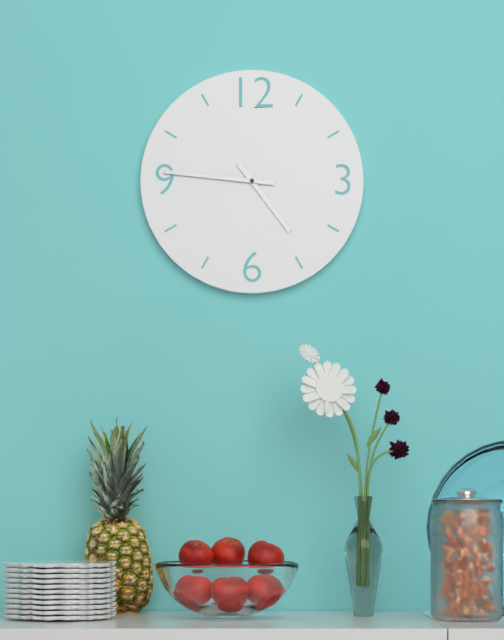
{"hour": 4, "minute": 46}
